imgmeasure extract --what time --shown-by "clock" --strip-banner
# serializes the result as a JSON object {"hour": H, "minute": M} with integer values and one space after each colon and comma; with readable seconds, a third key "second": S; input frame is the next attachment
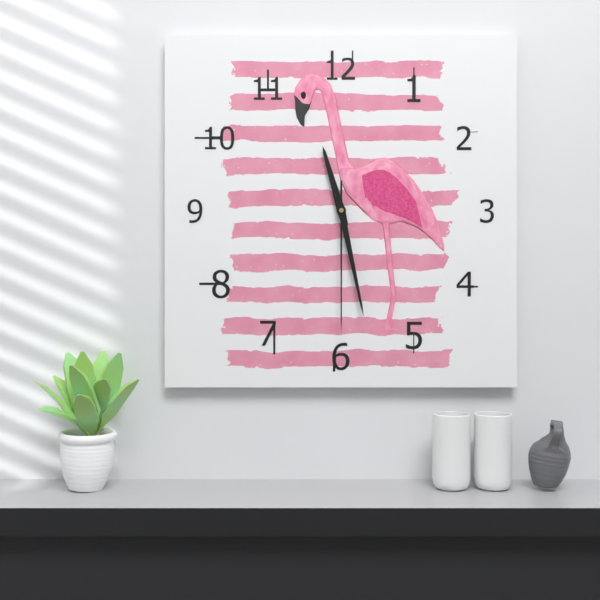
{"hour": 11, "minute": 28, "second": 30}
